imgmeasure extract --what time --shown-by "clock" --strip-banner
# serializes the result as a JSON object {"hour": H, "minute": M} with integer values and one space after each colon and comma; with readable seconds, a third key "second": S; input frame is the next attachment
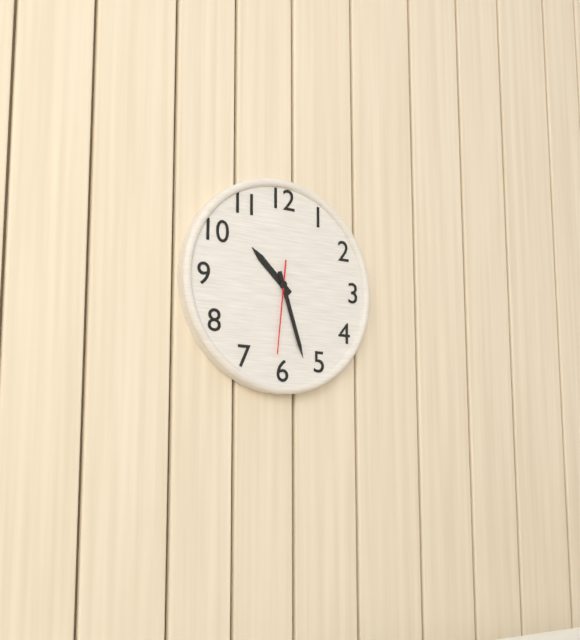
{"hour": 10, "minute": 27, "second": 31}
